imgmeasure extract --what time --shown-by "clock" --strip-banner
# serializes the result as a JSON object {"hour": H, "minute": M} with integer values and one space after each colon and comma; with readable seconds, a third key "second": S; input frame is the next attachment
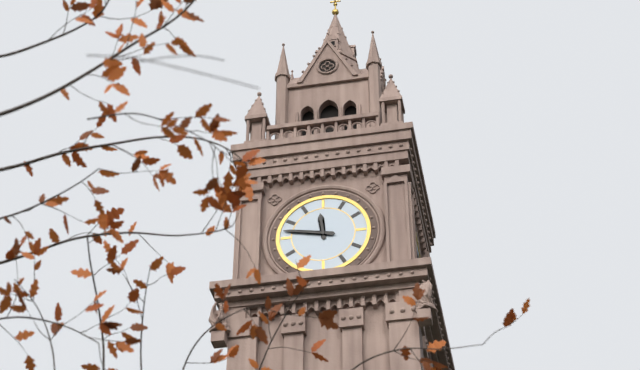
{"hour": 11, "minute": 47}
